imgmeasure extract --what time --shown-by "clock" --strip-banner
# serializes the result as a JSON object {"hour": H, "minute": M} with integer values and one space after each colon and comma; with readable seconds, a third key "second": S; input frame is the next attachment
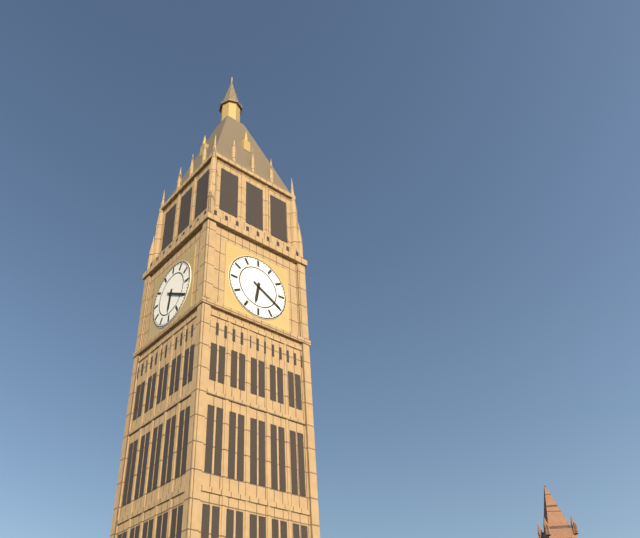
{"hour": 6, "minute": 20}
